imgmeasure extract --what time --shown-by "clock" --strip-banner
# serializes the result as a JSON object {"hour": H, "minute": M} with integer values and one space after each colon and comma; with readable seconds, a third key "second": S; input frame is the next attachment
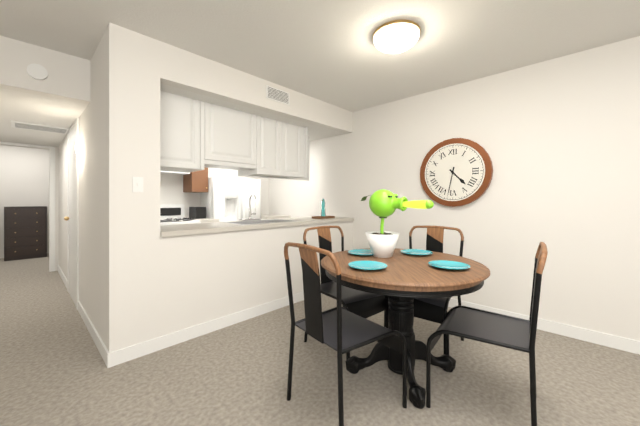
{"hour": 4, "minute": 32}
